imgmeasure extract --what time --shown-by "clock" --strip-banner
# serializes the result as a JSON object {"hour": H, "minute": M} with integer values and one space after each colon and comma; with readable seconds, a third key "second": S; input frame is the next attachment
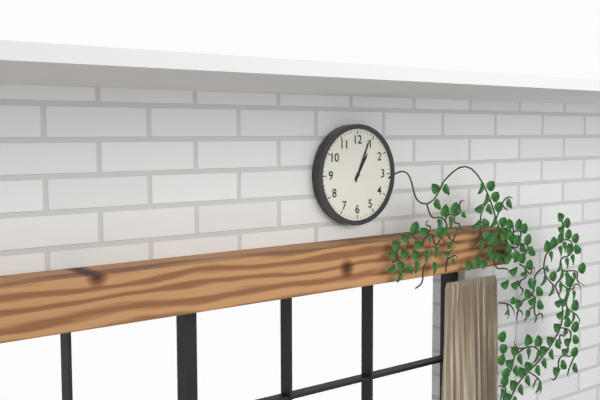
{"hour": 1, "minute": 4}
